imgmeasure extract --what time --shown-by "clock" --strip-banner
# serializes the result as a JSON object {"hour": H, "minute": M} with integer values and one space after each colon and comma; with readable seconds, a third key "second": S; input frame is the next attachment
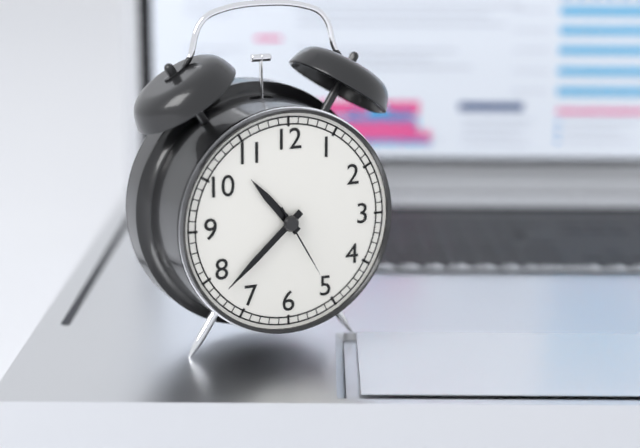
{"hour": 10, "minute": 38, "second": 25}
